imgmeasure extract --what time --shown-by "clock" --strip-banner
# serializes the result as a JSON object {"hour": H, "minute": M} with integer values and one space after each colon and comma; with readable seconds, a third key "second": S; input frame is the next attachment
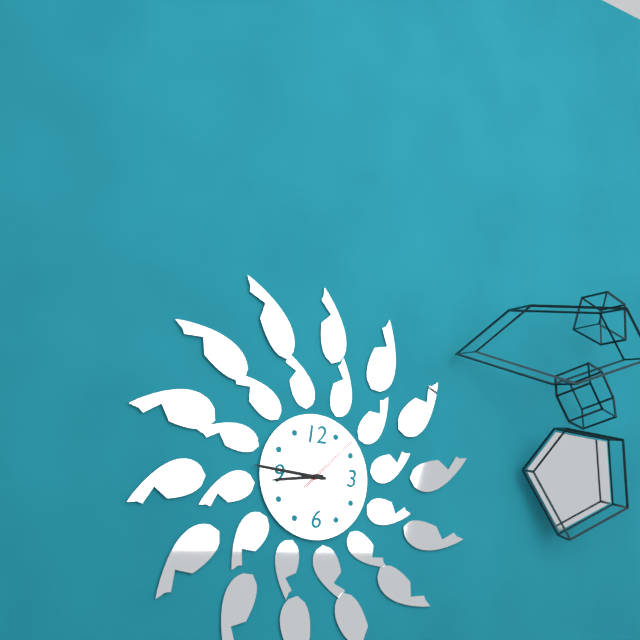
{"hour": 8, "minute": 46, "second": 8}
